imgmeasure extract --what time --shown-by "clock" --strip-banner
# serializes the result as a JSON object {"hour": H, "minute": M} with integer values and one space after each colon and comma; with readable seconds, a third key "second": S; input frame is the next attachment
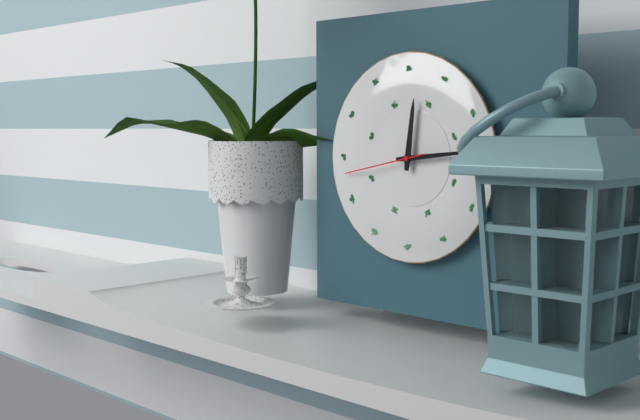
{"hour": 12, "minute": 14, "second": 43}
